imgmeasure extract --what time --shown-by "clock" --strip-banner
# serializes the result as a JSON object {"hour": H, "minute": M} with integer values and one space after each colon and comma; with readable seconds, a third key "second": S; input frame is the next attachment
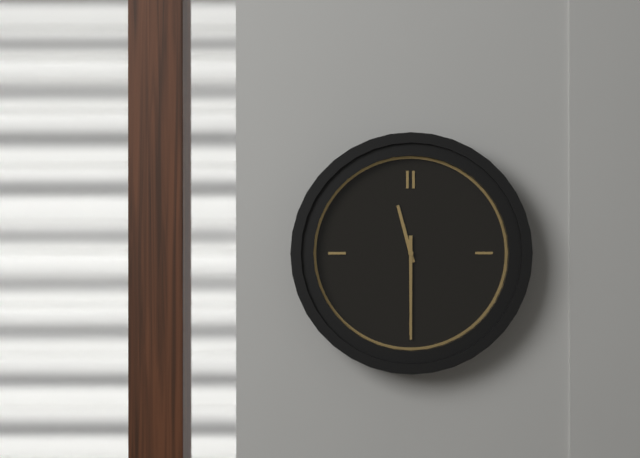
{"hour": 11, "minute": 30}
